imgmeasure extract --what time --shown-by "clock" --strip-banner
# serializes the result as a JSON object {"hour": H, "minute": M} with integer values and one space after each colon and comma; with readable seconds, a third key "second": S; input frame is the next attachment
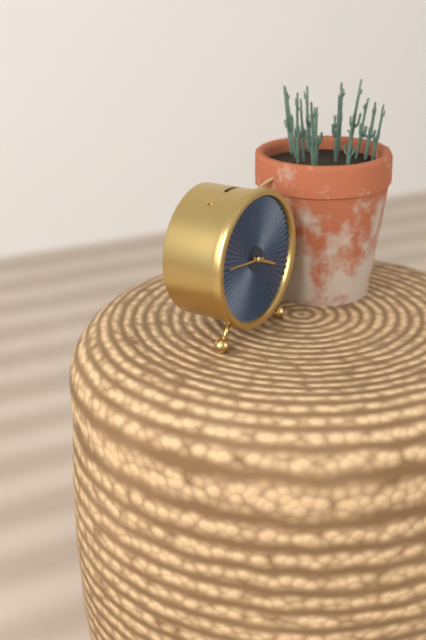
{"hour": 3, "minute": 46}
